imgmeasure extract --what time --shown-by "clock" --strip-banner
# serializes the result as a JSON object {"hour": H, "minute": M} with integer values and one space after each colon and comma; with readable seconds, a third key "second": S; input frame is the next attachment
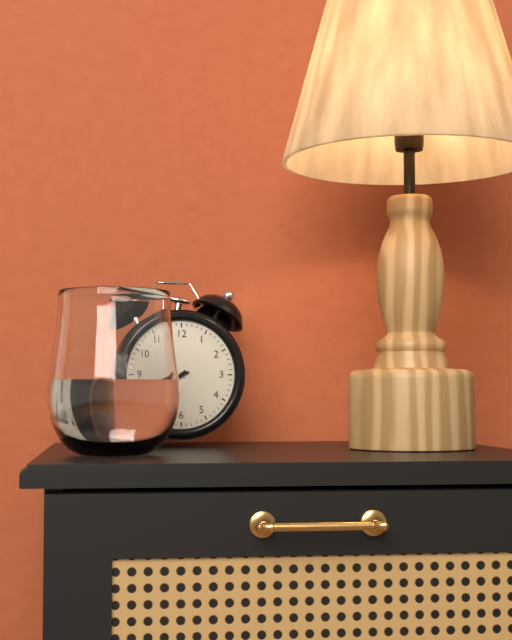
{"hour": 7, "minute": 42}
